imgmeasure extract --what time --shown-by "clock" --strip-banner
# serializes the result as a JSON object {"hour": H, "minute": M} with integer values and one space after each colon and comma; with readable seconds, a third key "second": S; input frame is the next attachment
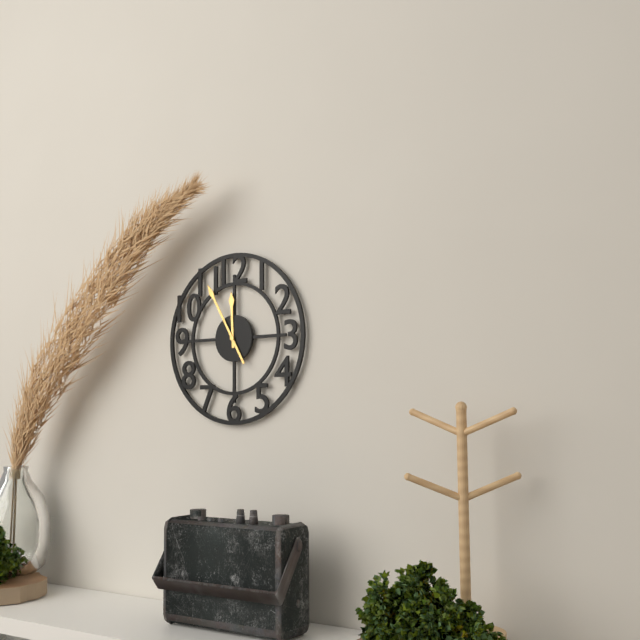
{"hour": 11, "minute": 55}
